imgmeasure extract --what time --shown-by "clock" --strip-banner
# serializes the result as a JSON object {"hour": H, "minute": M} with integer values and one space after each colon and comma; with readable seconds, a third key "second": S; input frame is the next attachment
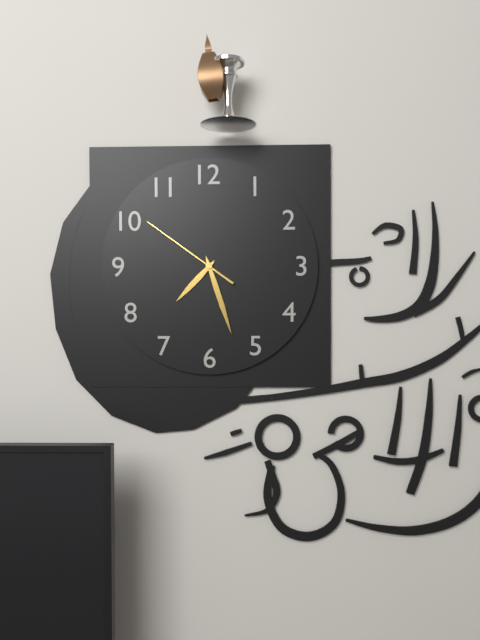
{"hour": 7, "minute": 27, "second": 51}
